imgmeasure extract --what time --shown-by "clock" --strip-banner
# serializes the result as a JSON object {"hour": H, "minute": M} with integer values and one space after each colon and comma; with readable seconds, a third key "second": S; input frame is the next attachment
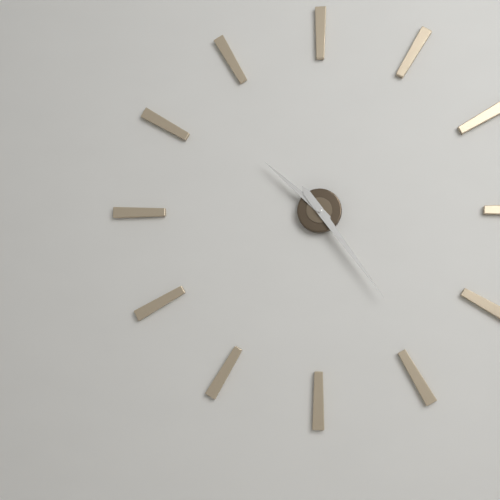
{"hour": 10, "minute": 24}
